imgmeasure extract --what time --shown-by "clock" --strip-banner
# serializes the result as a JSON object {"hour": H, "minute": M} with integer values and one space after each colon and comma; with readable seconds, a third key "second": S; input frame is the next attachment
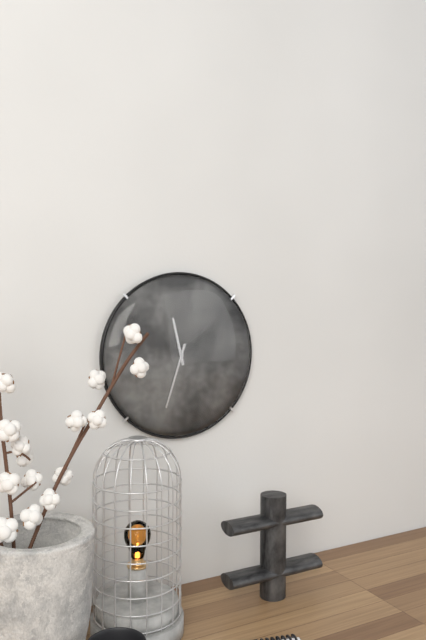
{"hour": 11, "minute": 33}
